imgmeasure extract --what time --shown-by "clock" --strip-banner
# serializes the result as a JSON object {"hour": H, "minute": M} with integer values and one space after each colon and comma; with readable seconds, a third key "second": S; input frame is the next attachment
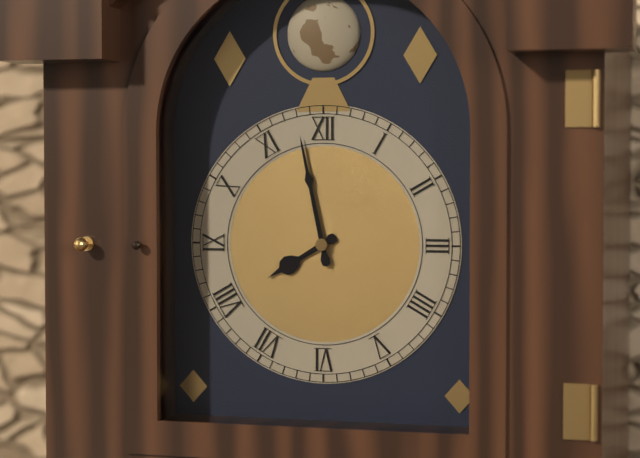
{"hour": 7, "minute": 58}
